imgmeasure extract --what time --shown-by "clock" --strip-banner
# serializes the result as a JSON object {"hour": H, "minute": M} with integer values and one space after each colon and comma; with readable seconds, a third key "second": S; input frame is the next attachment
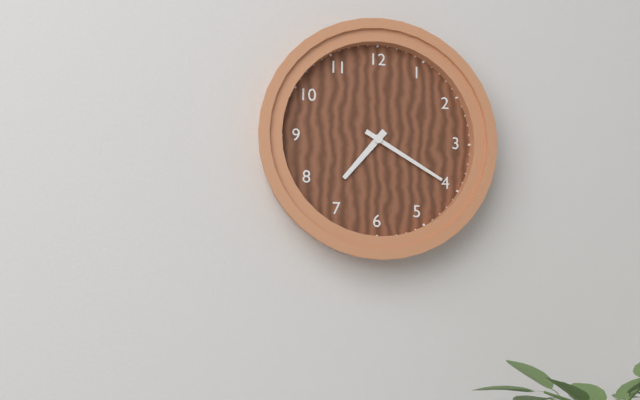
{"hour": 7, "minute": 20}
